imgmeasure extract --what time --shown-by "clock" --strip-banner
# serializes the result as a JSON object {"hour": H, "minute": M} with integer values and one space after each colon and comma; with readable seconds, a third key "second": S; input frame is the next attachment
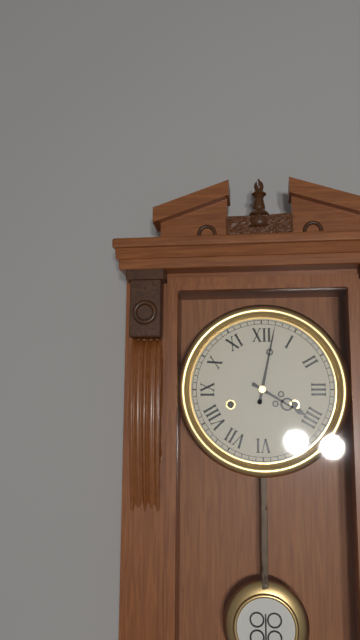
{"hour": 4, "minute": 2}
